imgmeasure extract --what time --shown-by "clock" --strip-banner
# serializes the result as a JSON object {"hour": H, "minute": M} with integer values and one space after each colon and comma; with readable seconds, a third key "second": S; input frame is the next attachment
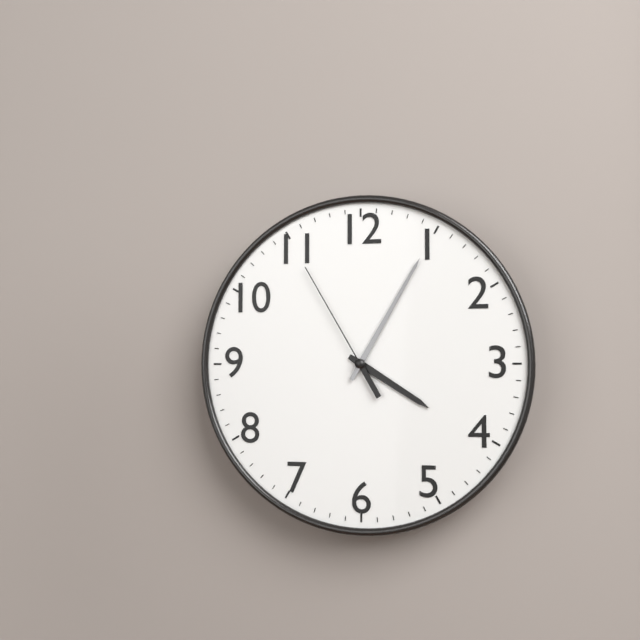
{"hour": 4, "minute": 5, "second": 55}
